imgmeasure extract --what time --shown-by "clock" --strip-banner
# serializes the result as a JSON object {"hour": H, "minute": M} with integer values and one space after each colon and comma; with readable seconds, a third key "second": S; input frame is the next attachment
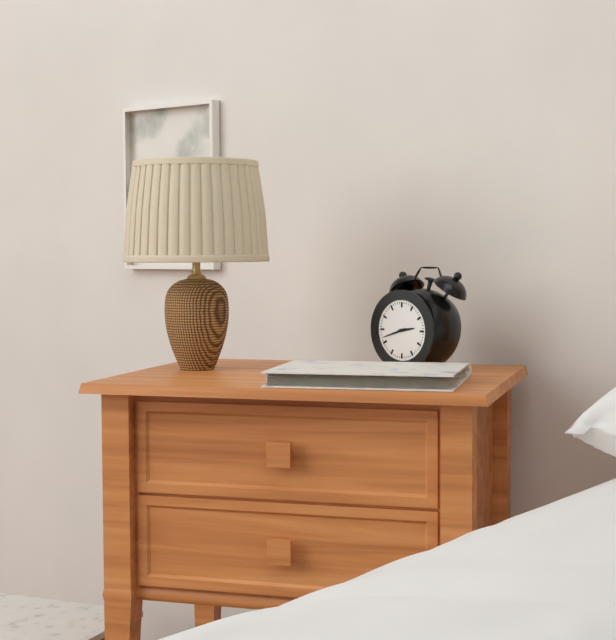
{"hour": 2, "minute": 42}
